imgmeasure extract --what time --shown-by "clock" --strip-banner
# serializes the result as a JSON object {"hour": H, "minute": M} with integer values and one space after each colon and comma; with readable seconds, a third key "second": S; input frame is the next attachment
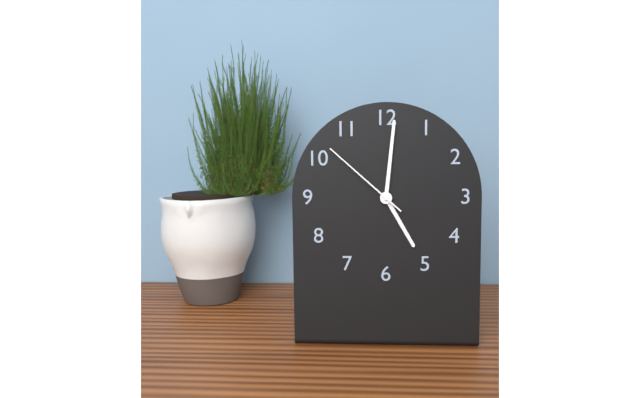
{"hour": 5, "minute": 1, "second": 52}
